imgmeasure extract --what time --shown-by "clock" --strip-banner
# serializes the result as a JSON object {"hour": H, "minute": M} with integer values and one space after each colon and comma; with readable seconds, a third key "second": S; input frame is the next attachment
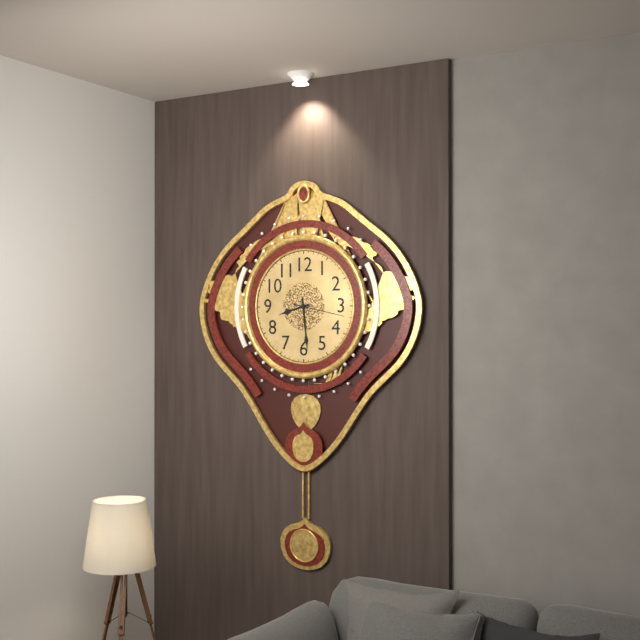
{"hour": 8, "minute": 29}
